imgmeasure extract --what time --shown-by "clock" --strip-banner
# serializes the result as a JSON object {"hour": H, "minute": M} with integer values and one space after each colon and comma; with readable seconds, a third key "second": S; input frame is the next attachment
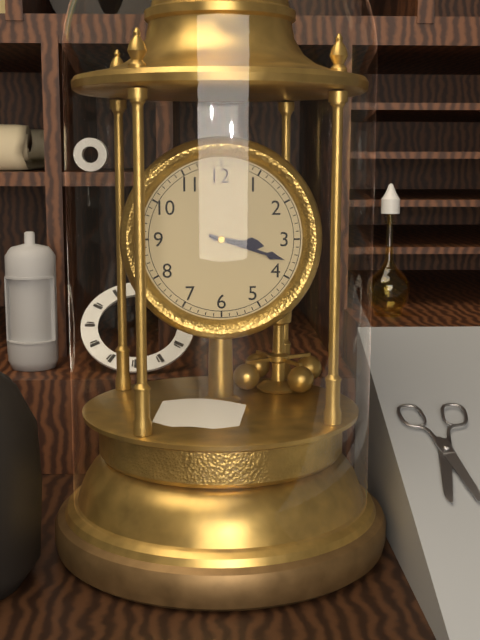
{"hour": 3, "minute": 18}
